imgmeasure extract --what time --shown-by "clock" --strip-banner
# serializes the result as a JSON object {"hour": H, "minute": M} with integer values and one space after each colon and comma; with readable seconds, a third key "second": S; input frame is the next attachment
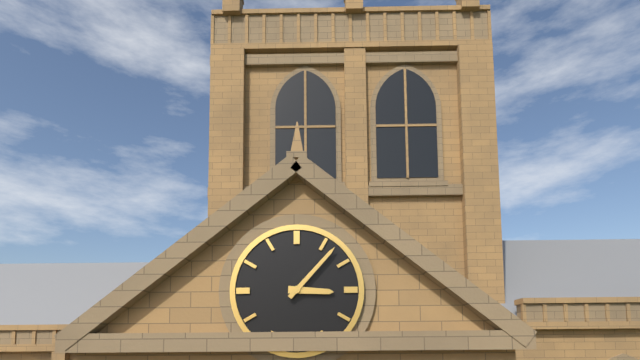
{"hour": 3, "minute": 7}
